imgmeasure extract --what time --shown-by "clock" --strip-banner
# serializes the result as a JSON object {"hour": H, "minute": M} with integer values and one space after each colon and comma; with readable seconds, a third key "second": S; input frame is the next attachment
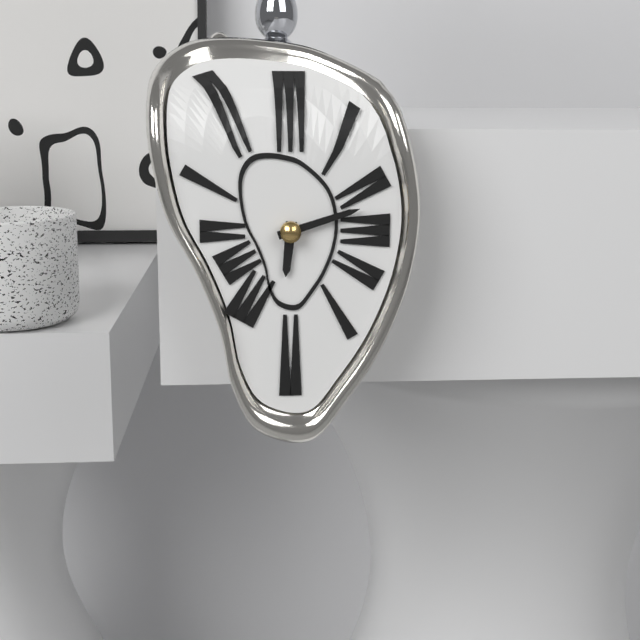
{"hour": 6, "minute": 12}
